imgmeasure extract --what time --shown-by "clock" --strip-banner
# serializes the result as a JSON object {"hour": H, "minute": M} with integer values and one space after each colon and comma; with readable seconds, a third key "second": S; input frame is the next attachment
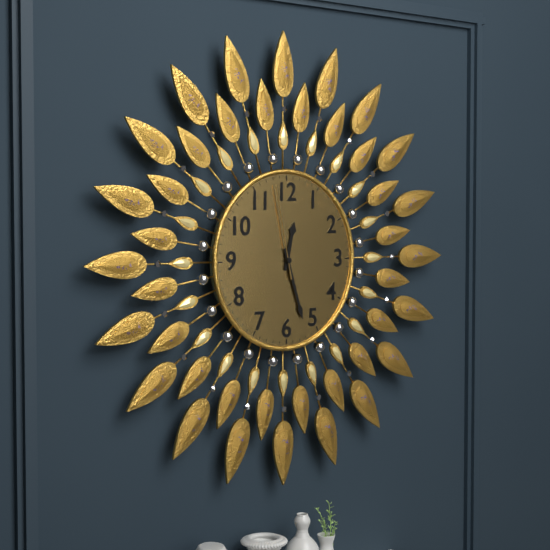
{"hour": 12, "minute": 27, "second": 58}
